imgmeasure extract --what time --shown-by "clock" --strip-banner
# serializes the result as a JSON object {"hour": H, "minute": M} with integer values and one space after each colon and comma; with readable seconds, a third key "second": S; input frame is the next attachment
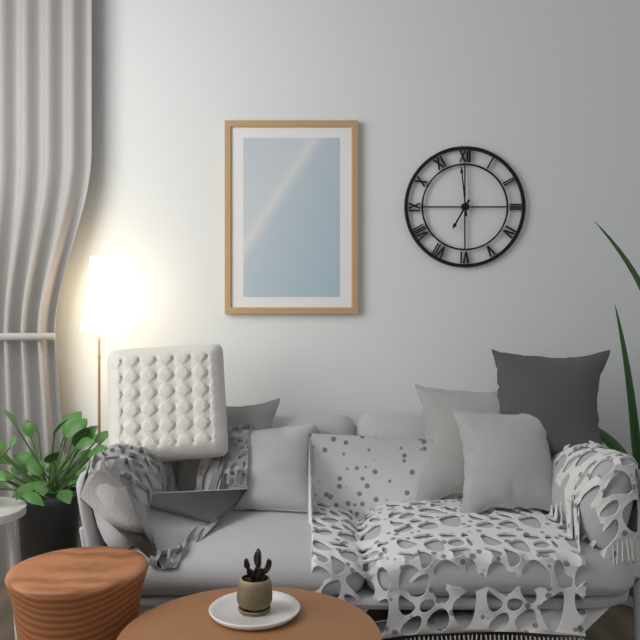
{"hour": 6, "minute": 59}
